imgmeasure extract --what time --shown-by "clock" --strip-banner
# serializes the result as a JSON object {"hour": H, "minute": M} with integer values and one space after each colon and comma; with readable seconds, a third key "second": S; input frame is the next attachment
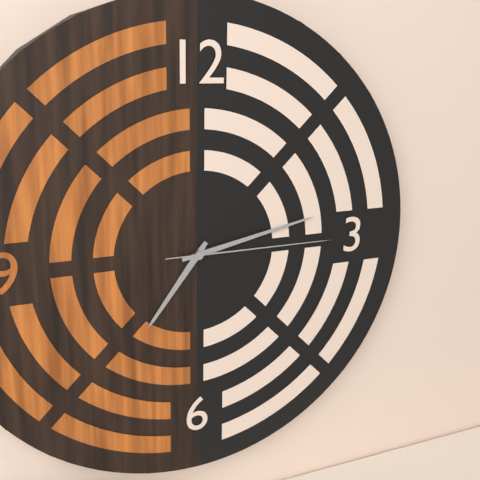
{"hour": 7, "minute": 13, "second": 15}
